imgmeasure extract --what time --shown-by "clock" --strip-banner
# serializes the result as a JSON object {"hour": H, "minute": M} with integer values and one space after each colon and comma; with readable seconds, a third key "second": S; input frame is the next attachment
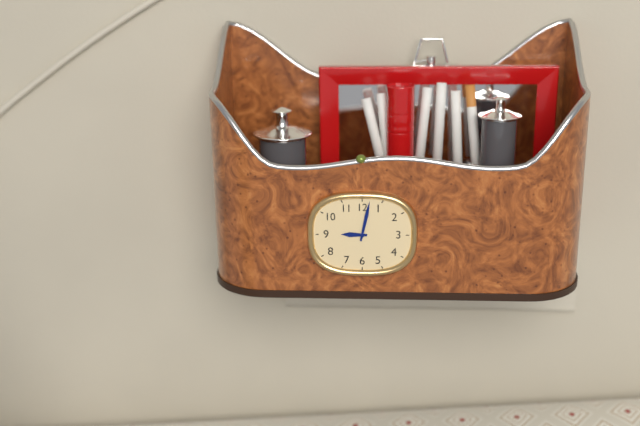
{"hour": 9, "minute": 2}
